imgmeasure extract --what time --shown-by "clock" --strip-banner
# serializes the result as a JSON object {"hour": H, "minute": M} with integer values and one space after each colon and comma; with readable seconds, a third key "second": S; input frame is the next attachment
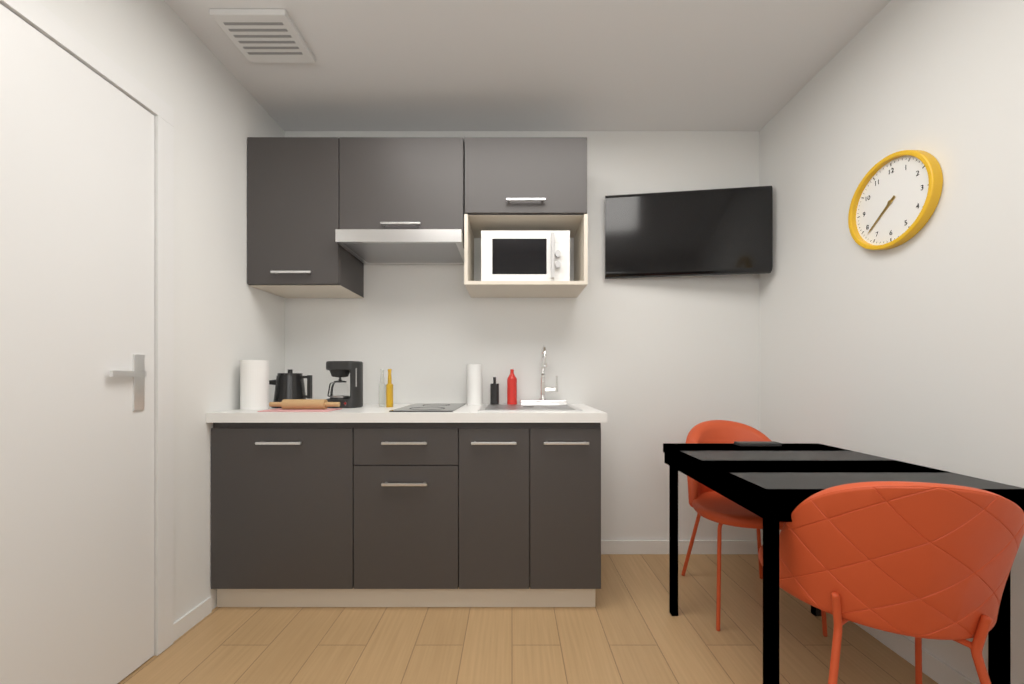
{"hour": 7, "minute": 38}
